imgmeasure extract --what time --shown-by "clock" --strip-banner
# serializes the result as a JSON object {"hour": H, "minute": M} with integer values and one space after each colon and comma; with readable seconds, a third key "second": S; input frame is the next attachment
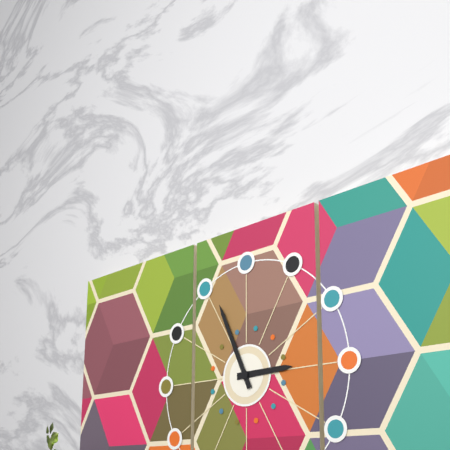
{"hour": 2, "minute": 56}
